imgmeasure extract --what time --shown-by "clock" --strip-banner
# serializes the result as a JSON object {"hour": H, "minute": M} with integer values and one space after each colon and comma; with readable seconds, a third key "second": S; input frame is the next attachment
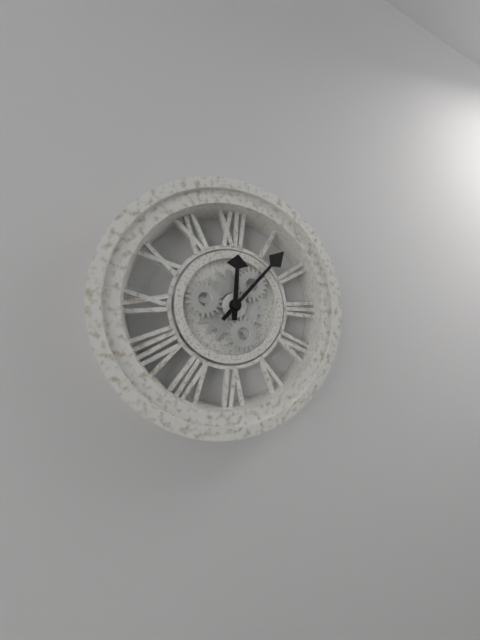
{"hour": 12, "minute": 7}
